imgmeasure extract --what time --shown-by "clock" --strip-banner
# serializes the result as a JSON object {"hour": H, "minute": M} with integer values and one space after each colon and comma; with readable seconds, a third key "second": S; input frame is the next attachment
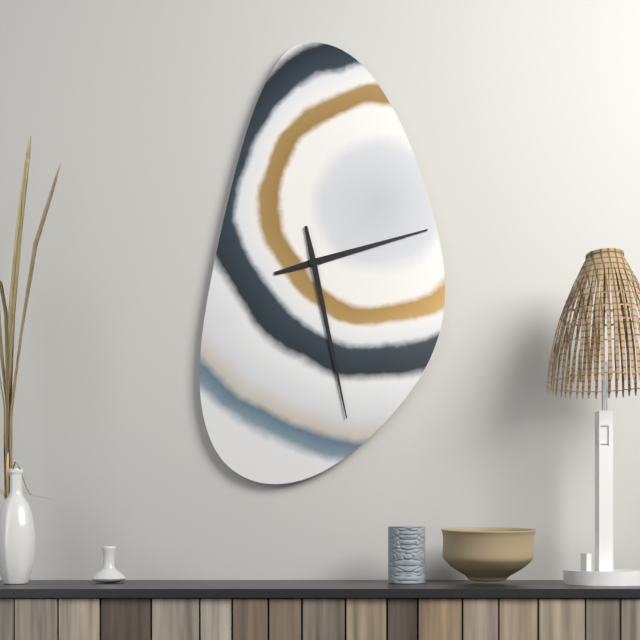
{"hour": 2, "minute": 28}
